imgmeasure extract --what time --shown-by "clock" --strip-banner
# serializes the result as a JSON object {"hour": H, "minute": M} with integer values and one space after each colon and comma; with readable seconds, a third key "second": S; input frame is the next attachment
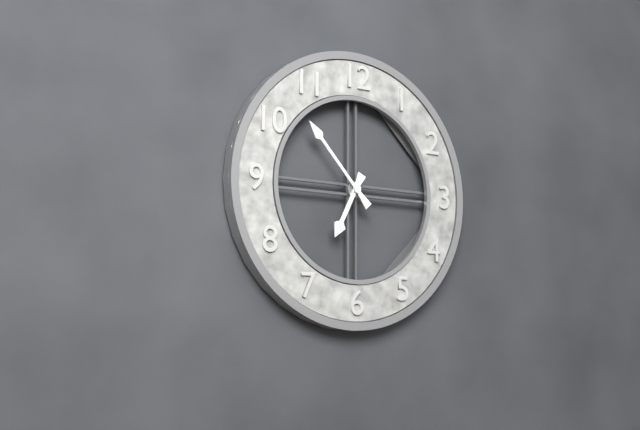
{"hour": 6, "minute": 53}
